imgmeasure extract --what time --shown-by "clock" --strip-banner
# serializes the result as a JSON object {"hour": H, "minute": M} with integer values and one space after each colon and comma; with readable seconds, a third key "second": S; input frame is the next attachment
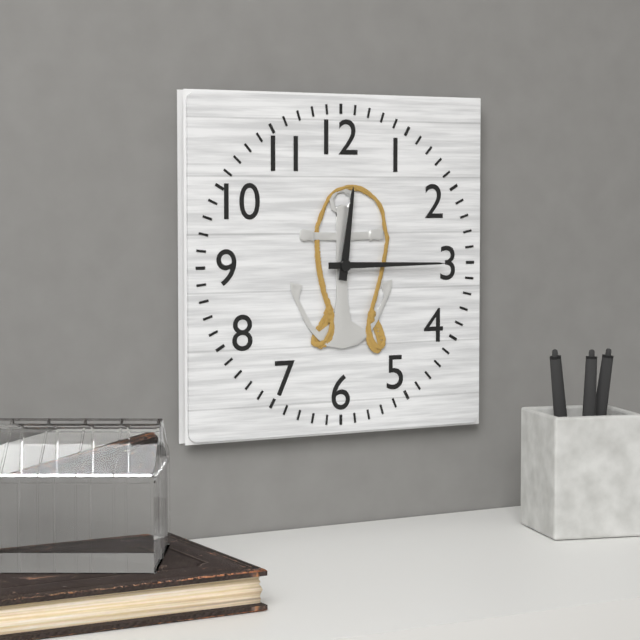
{"hour": 12, "minute": 15}
